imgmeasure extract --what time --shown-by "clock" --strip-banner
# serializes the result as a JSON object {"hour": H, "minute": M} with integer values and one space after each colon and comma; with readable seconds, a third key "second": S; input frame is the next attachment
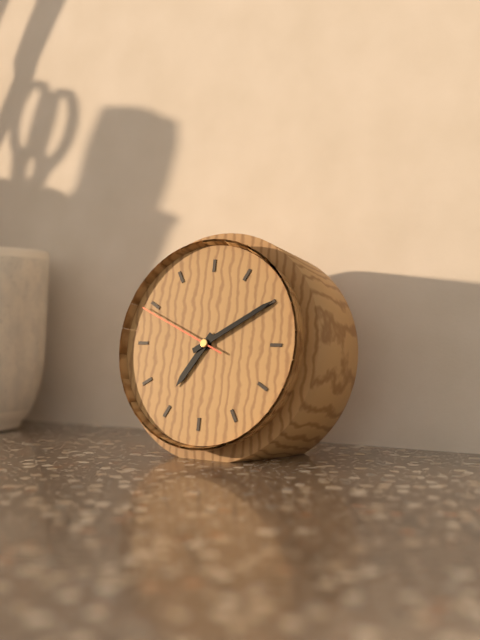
{"hour": 7, "minute": 10, "second": 49}
